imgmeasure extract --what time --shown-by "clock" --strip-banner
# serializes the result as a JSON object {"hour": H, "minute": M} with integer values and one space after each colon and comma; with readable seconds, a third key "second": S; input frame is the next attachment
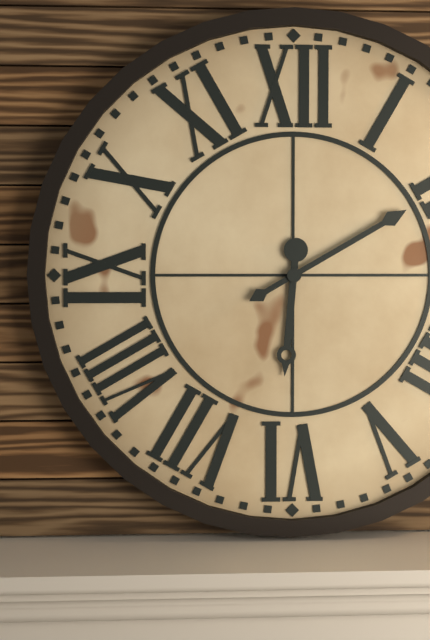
{"hour": 6, "minute": 10}
